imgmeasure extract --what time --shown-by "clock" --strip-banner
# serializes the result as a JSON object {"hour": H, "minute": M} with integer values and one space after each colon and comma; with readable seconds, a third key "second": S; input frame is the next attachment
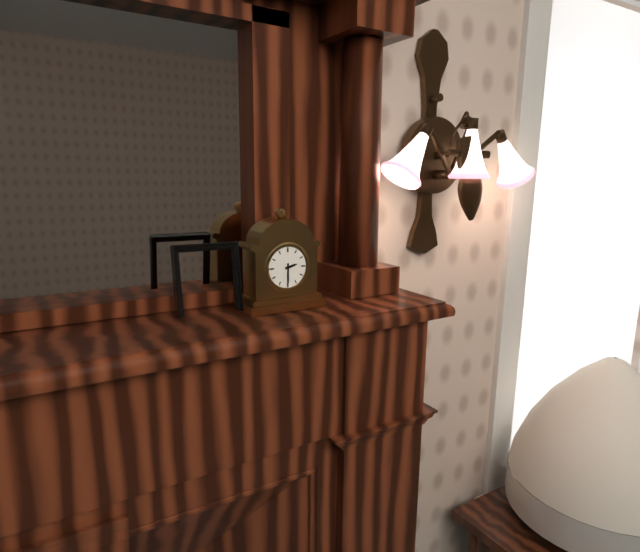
{"hour": 2, "minute": 30}
